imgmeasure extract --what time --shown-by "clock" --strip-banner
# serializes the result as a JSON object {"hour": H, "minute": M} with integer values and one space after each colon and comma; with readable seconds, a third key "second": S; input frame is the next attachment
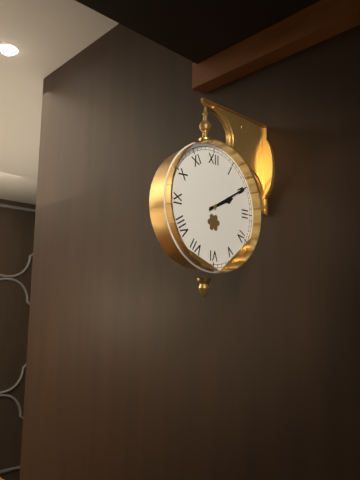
{"hour": 2, "minute": 10}
